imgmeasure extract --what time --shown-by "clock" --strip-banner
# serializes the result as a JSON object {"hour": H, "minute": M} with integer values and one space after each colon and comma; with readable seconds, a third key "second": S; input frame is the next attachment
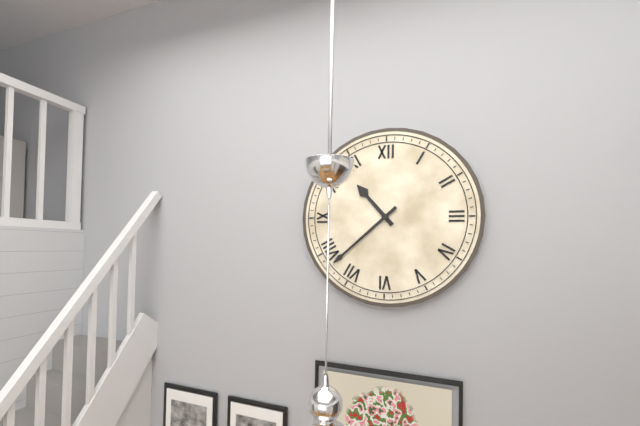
{"hour": 10, "minute": 38}
